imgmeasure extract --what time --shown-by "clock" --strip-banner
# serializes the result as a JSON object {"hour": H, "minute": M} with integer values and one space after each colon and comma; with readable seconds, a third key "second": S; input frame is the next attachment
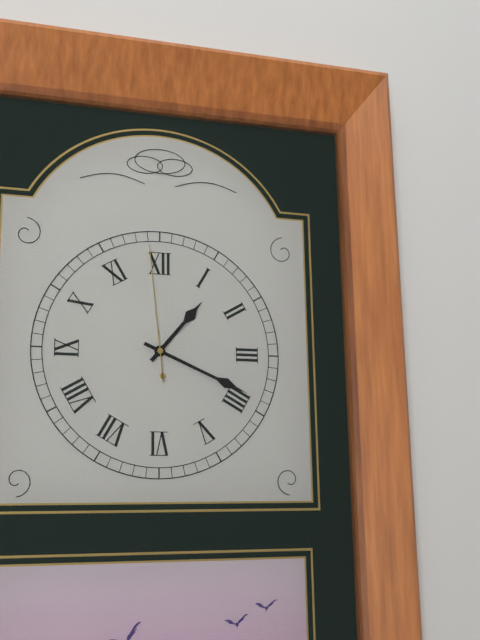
{"hour": 1, "minute": 19, "second": 59}
